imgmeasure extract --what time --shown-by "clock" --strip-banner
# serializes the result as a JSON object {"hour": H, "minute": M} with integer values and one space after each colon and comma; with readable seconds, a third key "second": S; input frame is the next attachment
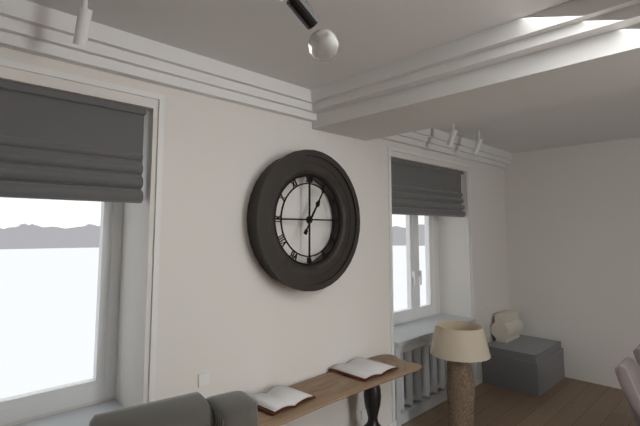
{"hour": 1, "minute": 5}
